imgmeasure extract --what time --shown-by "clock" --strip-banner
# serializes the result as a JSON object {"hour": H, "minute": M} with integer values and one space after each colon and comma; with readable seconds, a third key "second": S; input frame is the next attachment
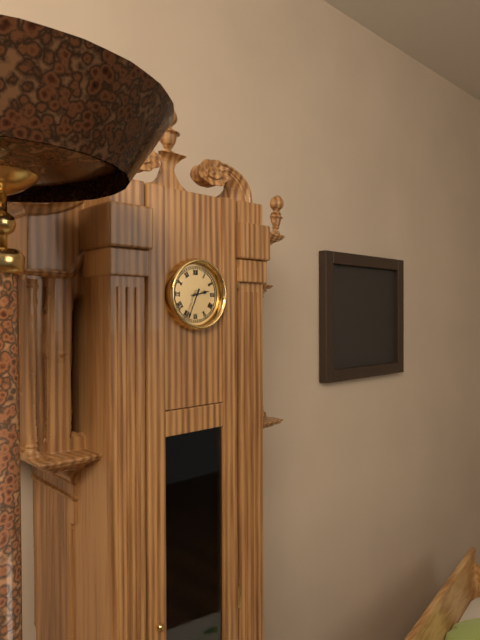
{"hour": 2, "minute": 34}
